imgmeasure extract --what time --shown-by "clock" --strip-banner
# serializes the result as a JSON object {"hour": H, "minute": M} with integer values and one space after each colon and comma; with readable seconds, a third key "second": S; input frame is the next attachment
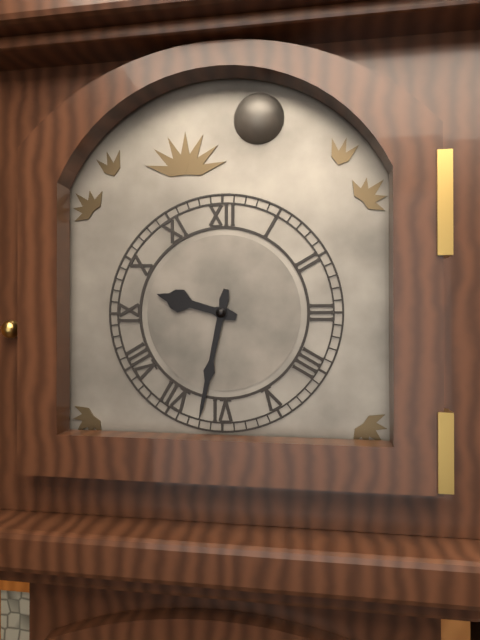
{"hour": 9, "minute": 32}
